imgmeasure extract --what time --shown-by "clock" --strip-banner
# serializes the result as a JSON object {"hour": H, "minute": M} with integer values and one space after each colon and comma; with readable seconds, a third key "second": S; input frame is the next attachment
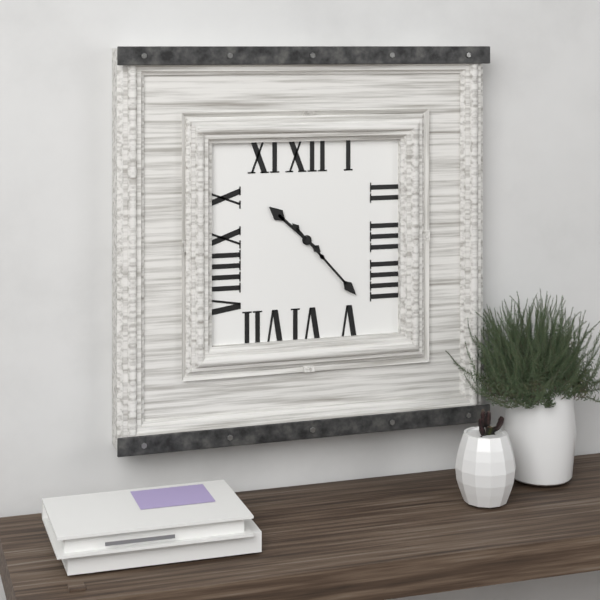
{"hour": 10, "minute": 23}
